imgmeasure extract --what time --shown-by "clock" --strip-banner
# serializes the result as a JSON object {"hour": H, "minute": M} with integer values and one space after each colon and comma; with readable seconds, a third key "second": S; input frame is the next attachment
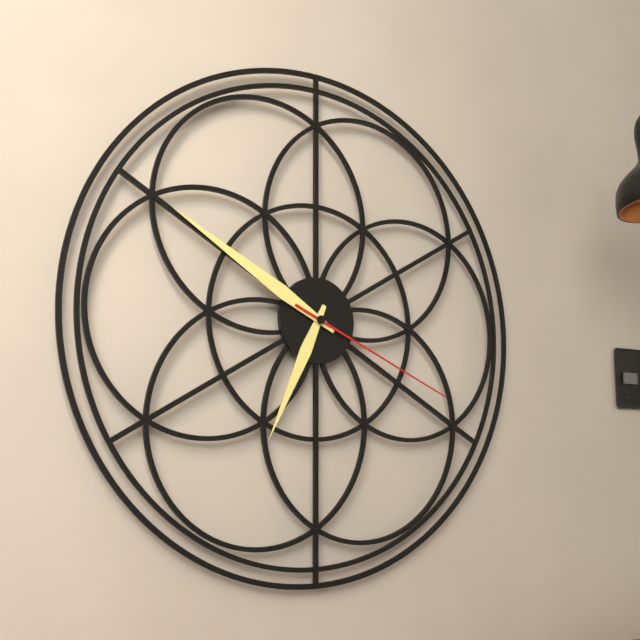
{"hour": 6, "minute": 50, "second": 19}
